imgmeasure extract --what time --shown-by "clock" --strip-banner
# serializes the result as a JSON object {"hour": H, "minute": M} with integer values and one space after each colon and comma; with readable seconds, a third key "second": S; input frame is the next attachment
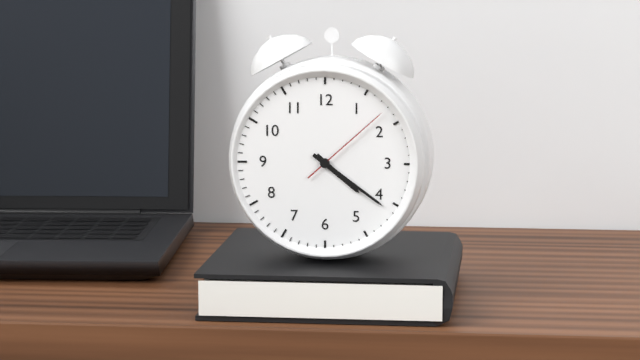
{"hour": 4, "minute": 21, "second": 8}
